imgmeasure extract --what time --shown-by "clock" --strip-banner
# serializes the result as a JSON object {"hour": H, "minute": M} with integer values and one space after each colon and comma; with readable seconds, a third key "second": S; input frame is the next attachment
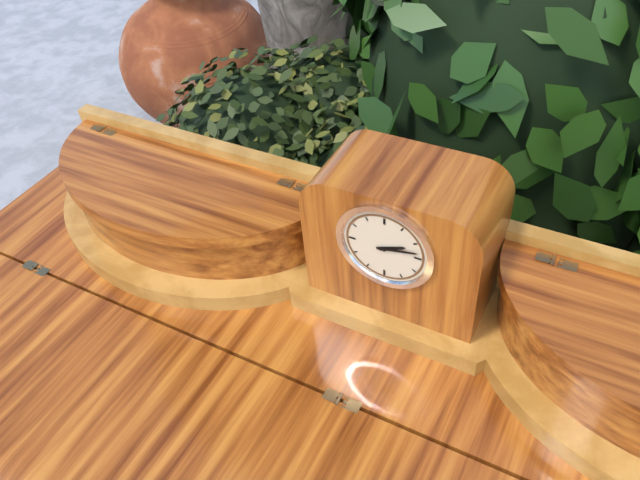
{"hour": 2, "minute": 13}
